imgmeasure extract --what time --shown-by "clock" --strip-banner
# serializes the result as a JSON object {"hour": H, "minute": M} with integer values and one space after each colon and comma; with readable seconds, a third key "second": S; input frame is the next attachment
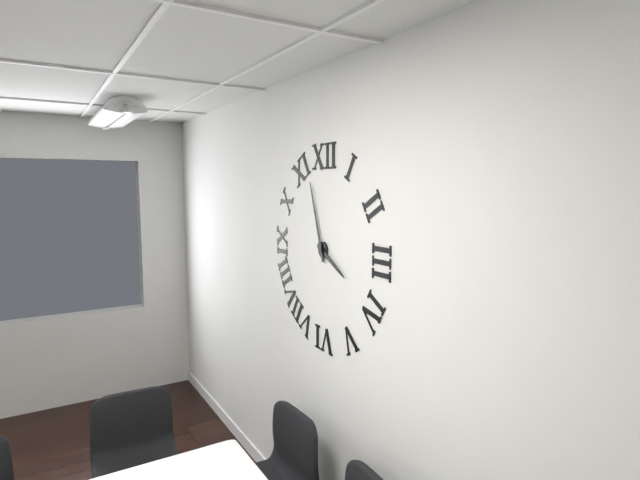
{"hour": 3, "minute": 57}
